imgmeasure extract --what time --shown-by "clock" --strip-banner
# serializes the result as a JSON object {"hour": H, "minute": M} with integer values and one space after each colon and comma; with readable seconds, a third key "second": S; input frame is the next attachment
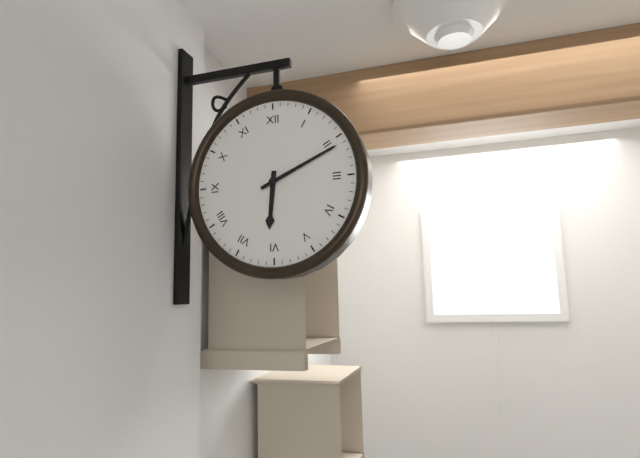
{"hour": 6, "minute": 11}
